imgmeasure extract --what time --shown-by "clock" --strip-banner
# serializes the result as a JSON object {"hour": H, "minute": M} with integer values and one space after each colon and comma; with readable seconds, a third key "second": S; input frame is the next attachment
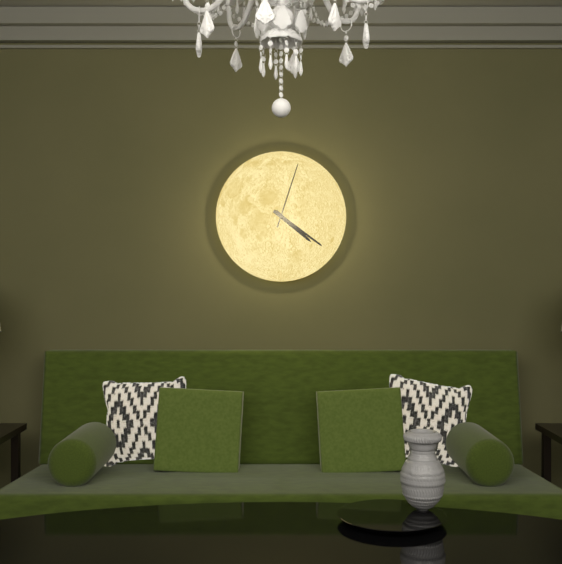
{"hour": 4, "minute": 21, "second": 3}
